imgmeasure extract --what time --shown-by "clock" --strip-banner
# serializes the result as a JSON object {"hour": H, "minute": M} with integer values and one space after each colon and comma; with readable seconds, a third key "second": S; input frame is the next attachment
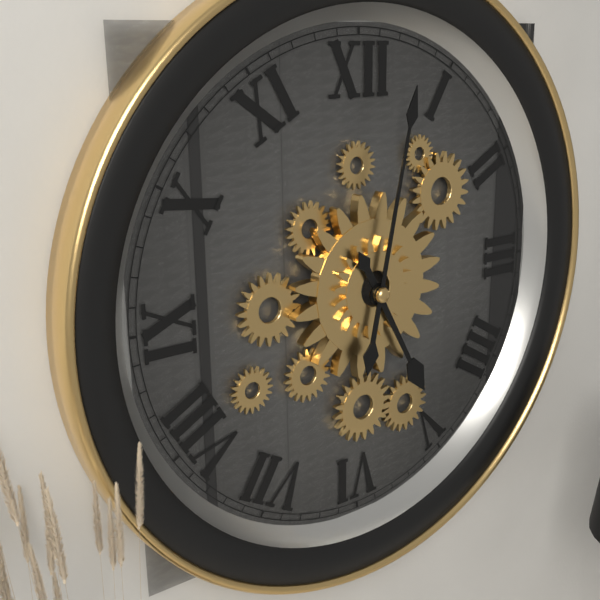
{"hour": 5, "minute": 2}
